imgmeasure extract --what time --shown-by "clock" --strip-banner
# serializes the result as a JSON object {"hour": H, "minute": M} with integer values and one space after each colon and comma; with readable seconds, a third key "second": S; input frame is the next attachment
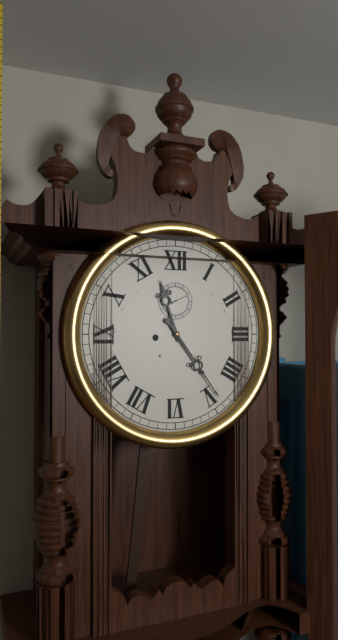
{"hour": 11, "minute": 24}
